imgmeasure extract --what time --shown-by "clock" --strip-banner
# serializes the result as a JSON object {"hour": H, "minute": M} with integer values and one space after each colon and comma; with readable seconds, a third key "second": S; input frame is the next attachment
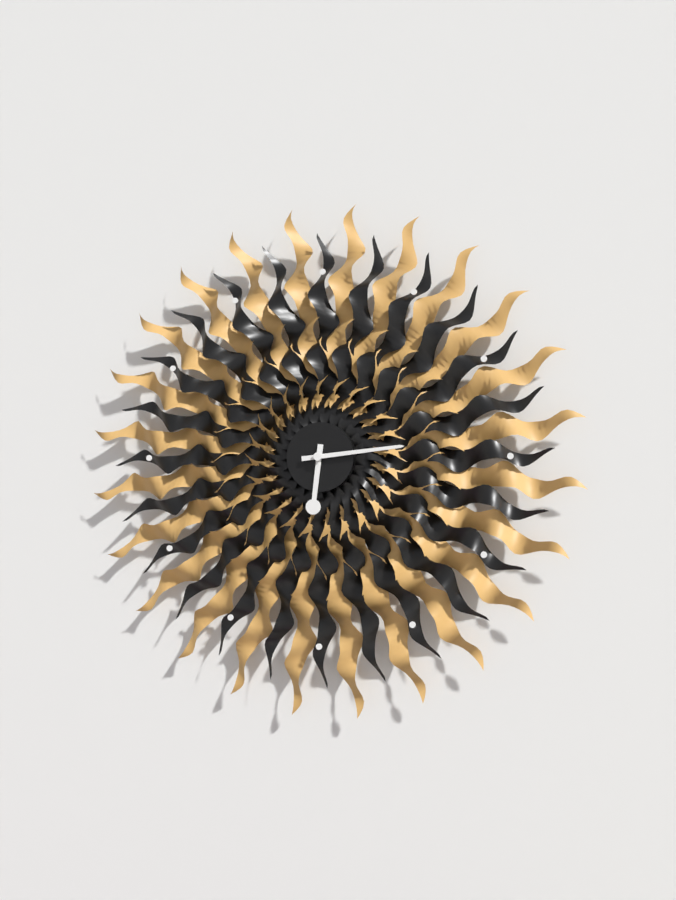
{"hour": 6, "minute": 14}
